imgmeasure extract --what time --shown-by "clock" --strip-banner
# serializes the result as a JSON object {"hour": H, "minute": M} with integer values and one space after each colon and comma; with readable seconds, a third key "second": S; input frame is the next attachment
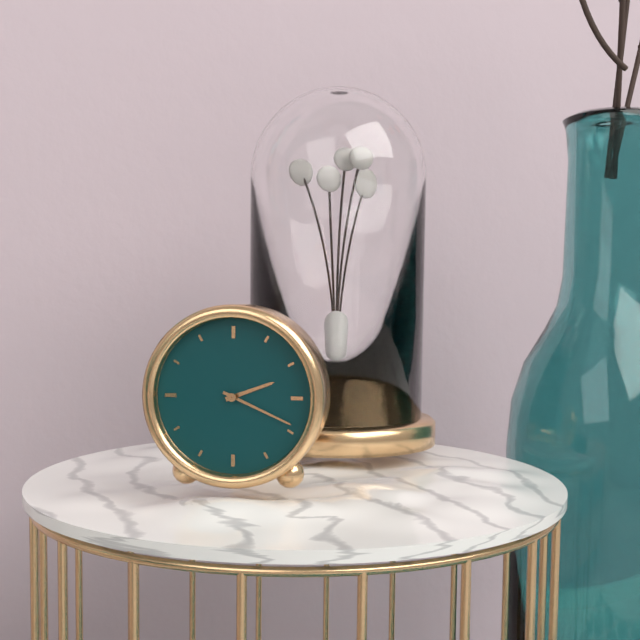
{"hour": 2, "minute": 19}
